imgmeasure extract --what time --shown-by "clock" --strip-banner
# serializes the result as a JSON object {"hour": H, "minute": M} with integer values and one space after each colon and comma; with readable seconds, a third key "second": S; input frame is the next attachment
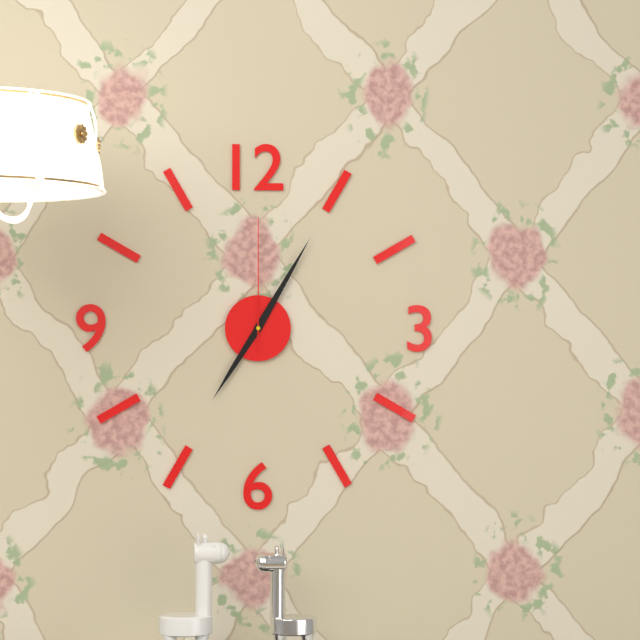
{"hour": 7, "minute": 5, "second": 0}
